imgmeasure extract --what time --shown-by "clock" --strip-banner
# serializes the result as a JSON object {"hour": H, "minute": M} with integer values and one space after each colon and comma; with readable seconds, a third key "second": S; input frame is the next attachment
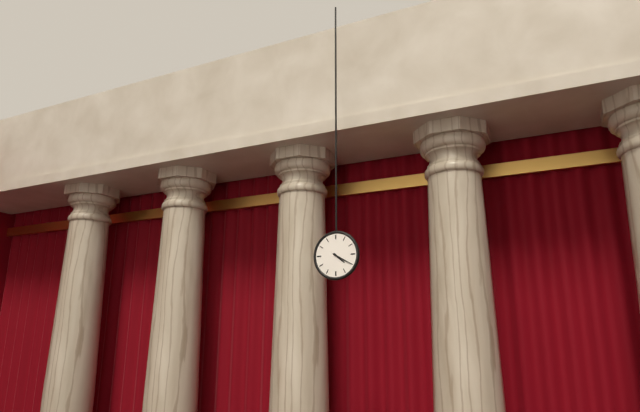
{"hour": 4, "minute": 20}
